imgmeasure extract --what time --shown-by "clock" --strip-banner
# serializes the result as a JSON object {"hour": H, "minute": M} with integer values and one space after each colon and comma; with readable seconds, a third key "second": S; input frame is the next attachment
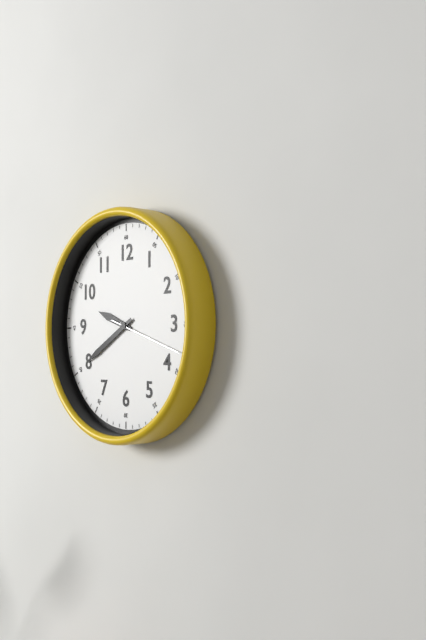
{"hour": 9, "minute": 40, "second": 18}
